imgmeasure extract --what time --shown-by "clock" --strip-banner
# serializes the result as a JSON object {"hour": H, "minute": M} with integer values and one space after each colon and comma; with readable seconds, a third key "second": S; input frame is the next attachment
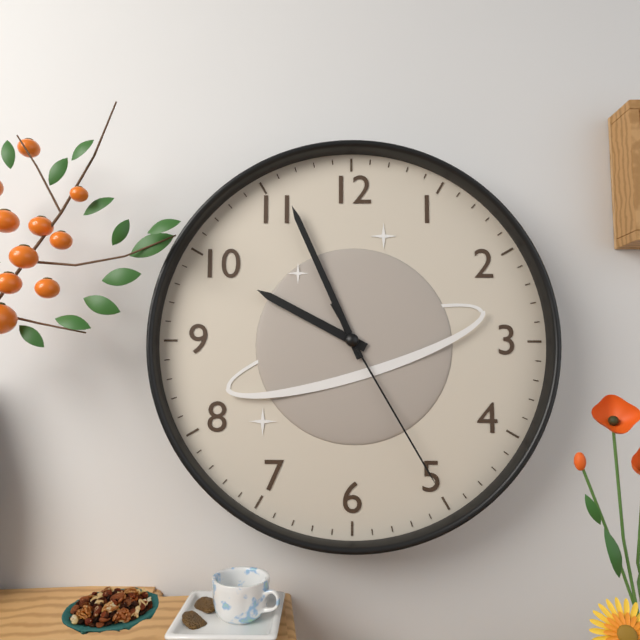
{"hour": 9, "minute": 56, "second": 25}
